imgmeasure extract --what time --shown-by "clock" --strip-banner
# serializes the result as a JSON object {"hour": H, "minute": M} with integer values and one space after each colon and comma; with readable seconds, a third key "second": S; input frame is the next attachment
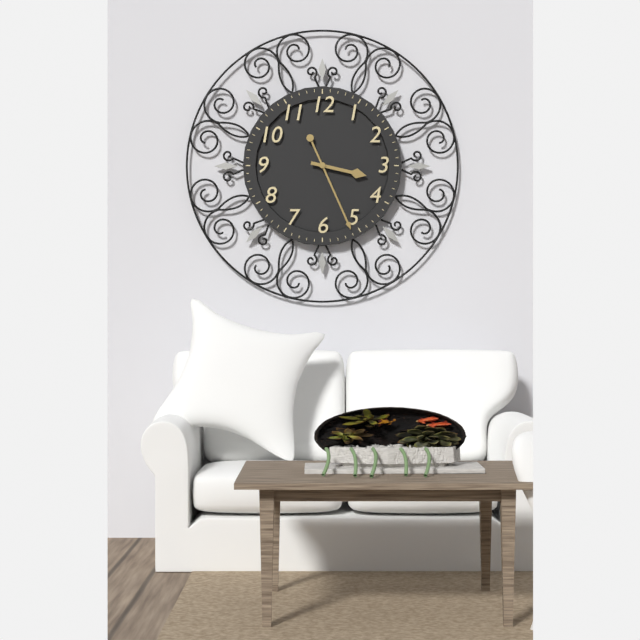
{"hour": 3, "minute": 26}
